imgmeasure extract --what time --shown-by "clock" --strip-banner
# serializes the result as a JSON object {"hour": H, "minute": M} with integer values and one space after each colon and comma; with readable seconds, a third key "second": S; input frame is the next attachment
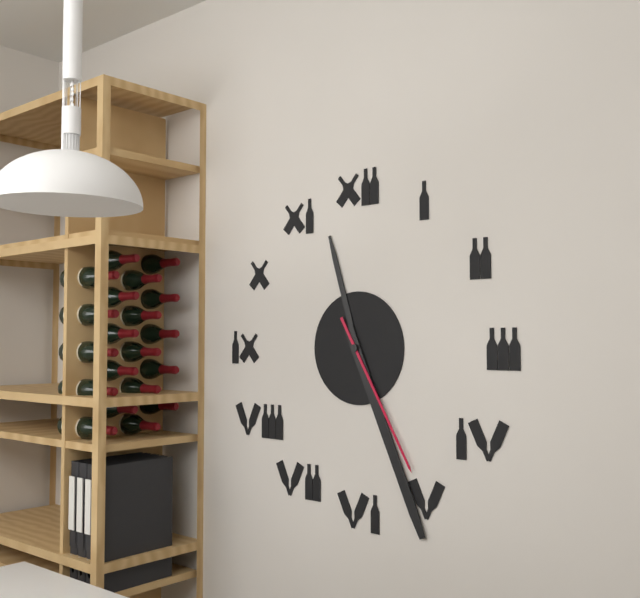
{"hour": 11, "minute": 26, "second": 25}
